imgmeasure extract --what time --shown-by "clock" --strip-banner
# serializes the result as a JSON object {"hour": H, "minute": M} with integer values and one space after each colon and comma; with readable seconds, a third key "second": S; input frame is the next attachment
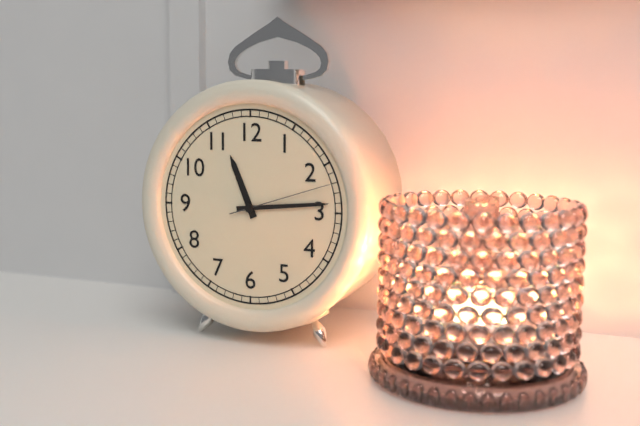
{"hour": 11, "minute": 14, "second": 12}
